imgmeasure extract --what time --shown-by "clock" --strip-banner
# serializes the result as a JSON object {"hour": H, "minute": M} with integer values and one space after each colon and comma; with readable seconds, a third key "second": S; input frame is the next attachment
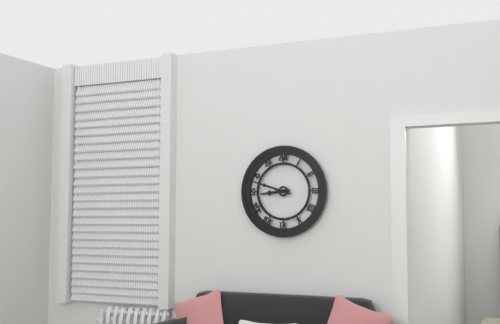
{"hour": 8, "minute": 48}
